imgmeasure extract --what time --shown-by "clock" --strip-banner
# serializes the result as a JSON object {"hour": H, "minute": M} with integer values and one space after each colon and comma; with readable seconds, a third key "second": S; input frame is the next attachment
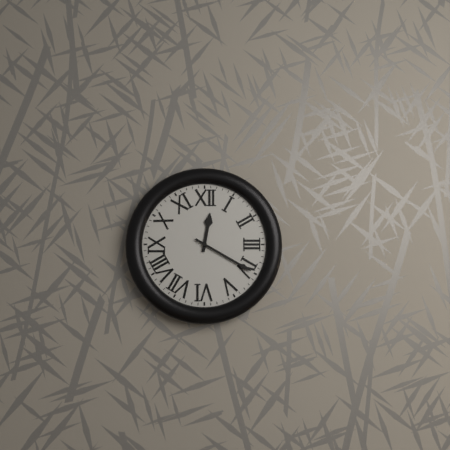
{"hour": 12, "minute": 20}
